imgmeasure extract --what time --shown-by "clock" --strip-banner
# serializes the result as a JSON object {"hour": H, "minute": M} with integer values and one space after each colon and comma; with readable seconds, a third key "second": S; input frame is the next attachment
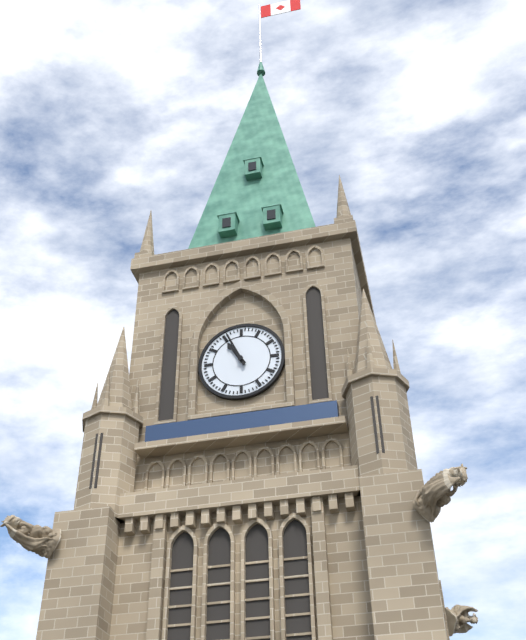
{"hour": 10, "minute": 56}
